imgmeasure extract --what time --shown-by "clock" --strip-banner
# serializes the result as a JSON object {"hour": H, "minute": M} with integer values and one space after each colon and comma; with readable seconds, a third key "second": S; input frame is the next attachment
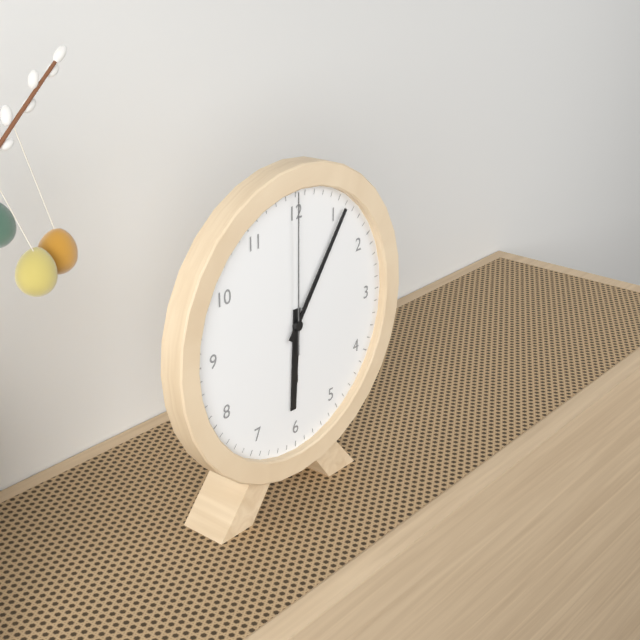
{"hour": 6, "minute": 6, "second": 0}
